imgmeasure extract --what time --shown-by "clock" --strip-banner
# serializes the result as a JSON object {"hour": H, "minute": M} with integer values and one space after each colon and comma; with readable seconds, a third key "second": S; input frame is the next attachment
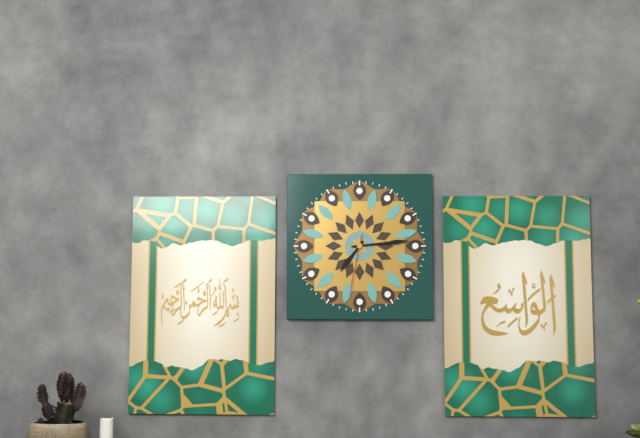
{"hour": 7, "minute": 14, "second": 32}
